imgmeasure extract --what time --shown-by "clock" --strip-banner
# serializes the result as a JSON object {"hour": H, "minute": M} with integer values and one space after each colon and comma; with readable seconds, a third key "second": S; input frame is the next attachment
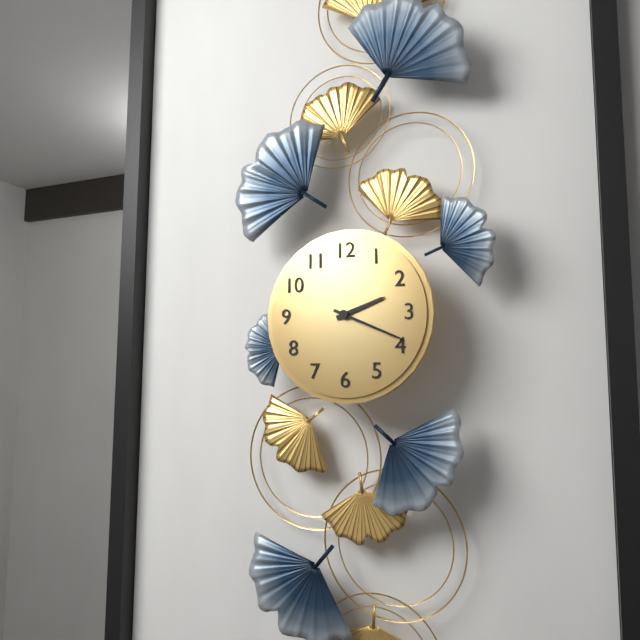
{"hour": 2, "minute": 19}
